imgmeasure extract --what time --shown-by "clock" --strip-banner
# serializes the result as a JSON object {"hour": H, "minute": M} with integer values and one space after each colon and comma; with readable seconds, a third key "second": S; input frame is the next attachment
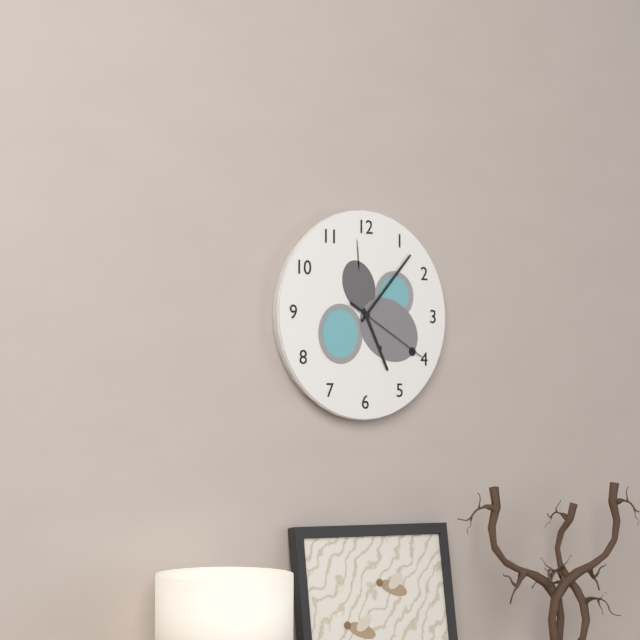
{"hour": 5, "minute": 7, "second": 20}
